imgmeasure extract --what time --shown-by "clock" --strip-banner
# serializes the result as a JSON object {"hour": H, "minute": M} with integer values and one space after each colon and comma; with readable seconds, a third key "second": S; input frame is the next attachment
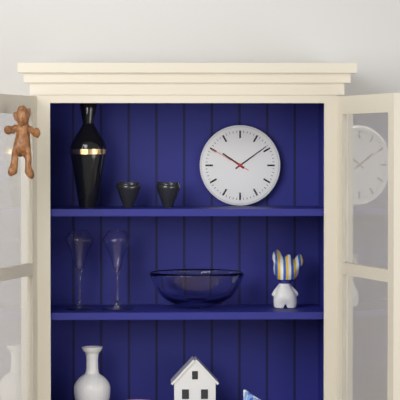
{"hour": 10, "minute": 9}
